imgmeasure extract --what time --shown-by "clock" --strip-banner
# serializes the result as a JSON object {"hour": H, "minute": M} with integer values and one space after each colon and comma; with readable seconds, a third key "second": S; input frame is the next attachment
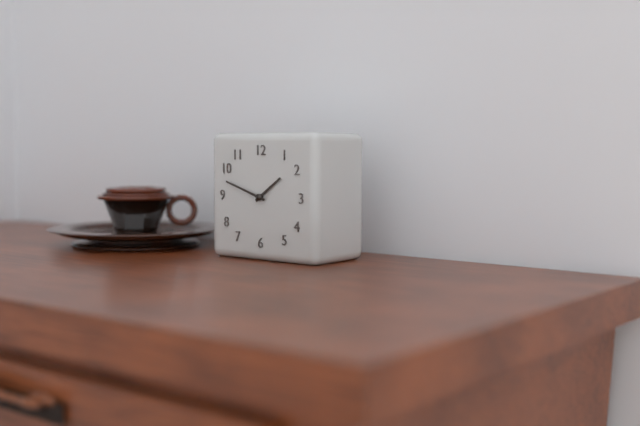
{"hour": 1, "minute": 48}
